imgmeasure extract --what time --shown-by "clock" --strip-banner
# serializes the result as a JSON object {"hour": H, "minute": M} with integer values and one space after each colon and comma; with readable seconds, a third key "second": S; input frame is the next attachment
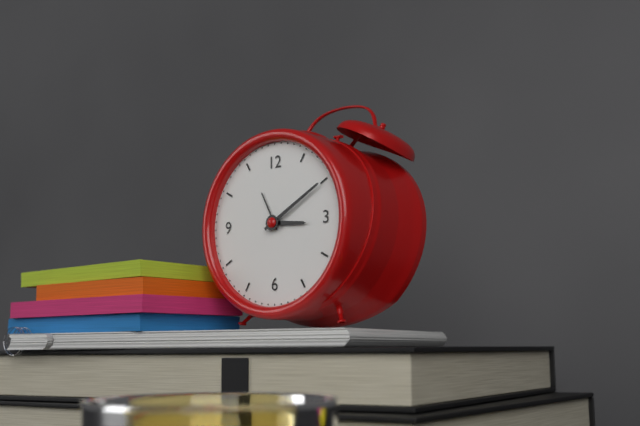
{"hour": 3, "minute": 10}
